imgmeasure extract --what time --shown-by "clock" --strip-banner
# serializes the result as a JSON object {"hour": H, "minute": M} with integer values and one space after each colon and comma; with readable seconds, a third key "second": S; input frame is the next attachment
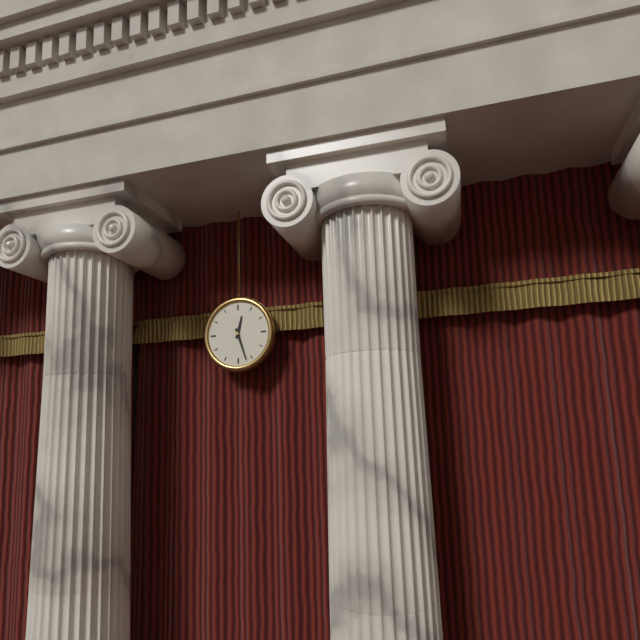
{"hour": 12, "minute": 27}
